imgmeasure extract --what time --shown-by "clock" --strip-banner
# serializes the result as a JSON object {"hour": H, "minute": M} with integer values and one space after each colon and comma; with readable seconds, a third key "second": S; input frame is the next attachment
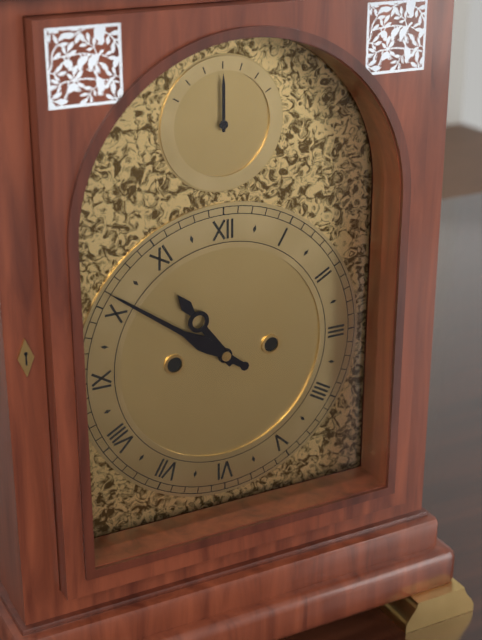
{"hour": 10, "minute": 51}
